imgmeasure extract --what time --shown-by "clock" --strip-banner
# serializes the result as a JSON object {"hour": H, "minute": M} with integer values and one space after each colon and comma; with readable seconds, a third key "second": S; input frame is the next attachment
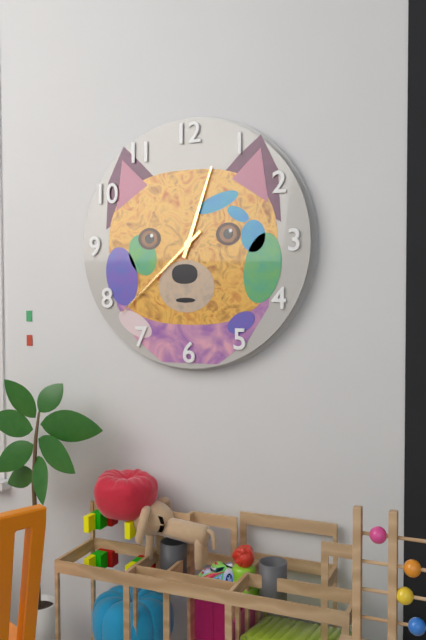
{"hour": 12, "minute": 38}
